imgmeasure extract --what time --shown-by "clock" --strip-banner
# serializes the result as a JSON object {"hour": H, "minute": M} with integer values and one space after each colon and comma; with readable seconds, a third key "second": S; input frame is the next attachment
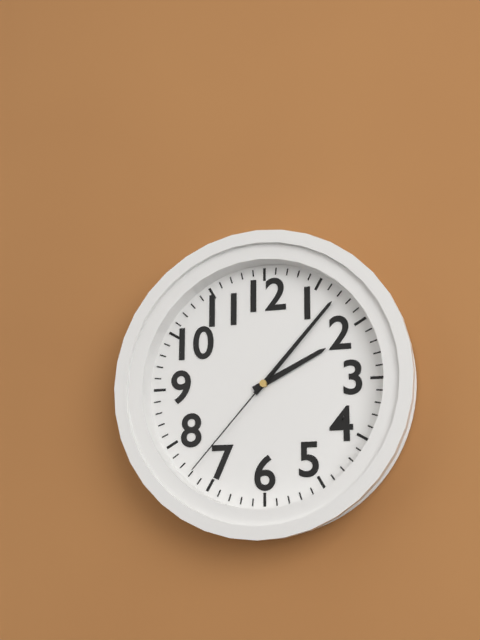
{"hour": 2, "minute": 7, "second": 37}
